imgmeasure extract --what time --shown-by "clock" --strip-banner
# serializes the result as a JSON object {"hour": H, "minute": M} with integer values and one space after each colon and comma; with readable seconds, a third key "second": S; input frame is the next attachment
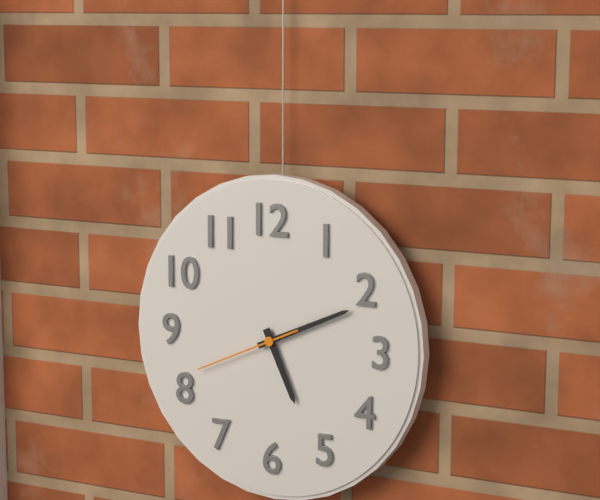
{"hour": 5, "minute": 11, "second": 41}
